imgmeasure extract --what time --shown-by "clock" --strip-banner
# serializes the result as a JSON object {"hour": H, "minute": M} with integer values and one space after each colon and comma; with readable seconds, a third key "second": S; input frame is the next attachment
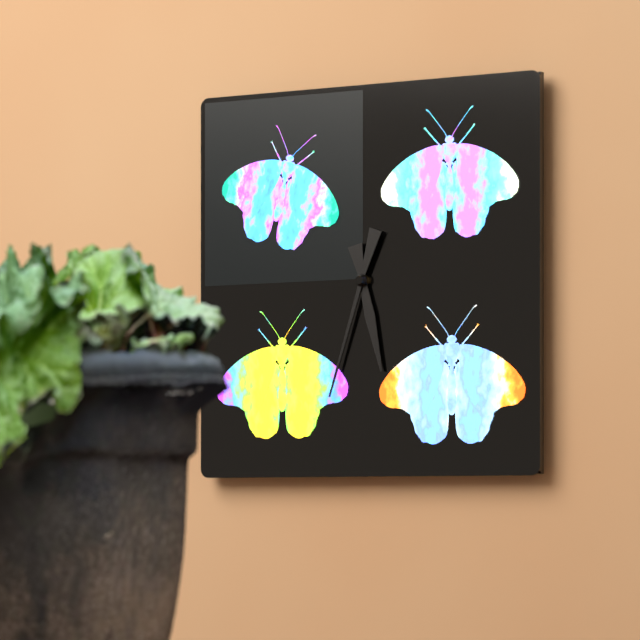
{"hour": 5, "minute": 33}
